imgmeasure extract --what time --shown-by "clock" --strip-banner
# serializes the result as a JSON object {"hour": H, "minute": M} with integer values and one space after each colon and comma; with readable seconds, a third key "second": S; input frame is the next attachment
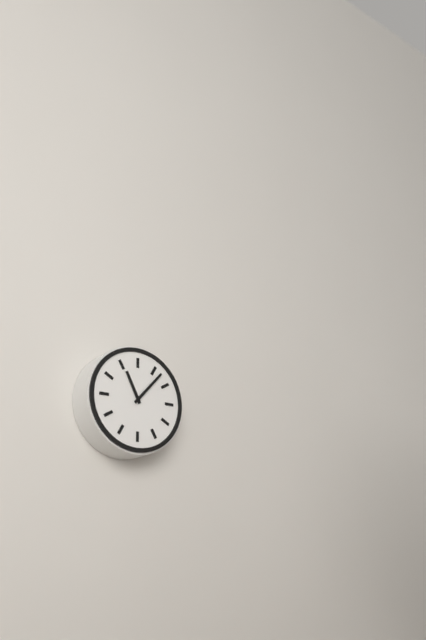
{"hour": 11, "minute": 7}
